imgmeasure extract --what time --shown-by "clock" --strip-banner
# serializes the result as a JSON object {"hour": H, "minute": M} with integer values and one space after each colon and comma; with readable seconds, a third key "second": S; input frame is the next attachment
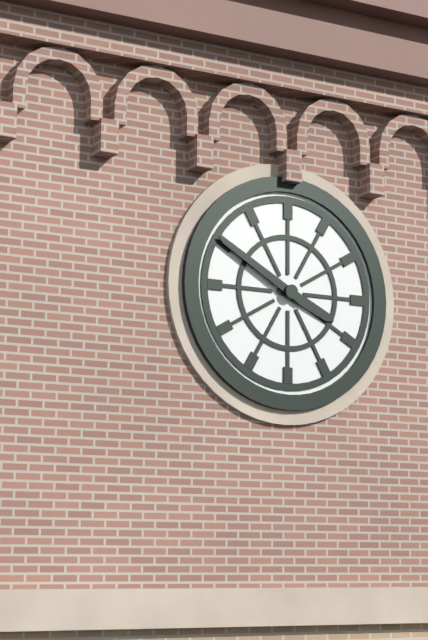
{"hour": 3, "minute": 50}
